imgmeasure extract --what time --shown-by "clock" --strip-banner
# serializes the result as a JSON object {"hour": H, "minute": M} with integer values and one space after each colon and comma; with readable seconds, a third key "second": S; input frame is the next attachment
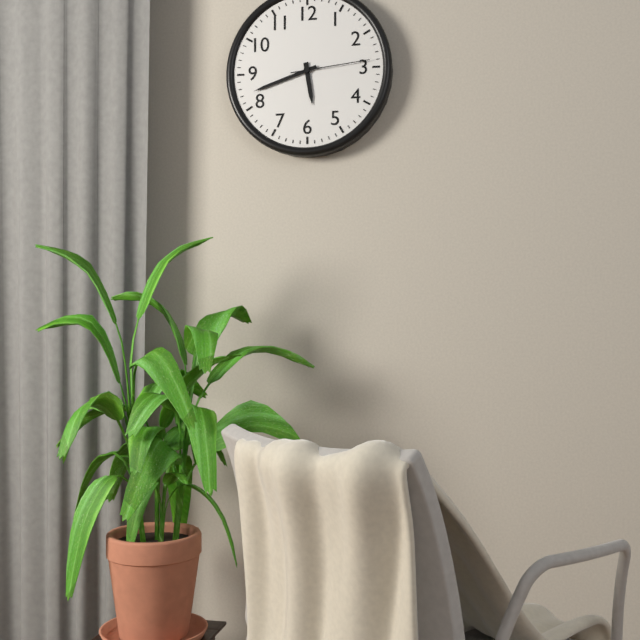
{"hour": 5, "minute": 42, "second": 14}
